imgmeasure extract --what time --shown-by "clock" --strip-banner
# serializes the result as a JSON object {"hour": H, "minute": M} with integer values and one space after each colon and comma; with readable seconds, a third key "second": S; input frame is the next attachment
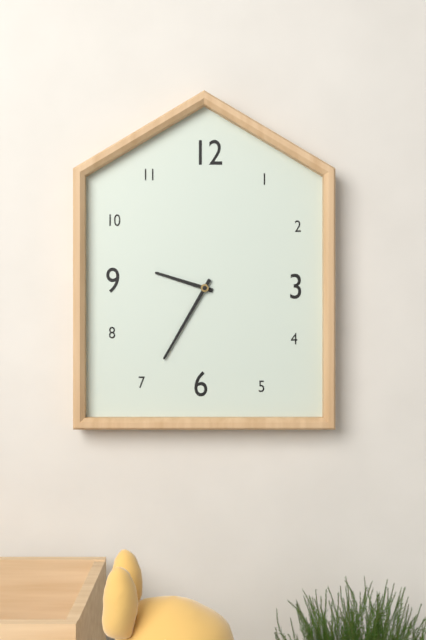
{"hour": 9, "minute": 35}
